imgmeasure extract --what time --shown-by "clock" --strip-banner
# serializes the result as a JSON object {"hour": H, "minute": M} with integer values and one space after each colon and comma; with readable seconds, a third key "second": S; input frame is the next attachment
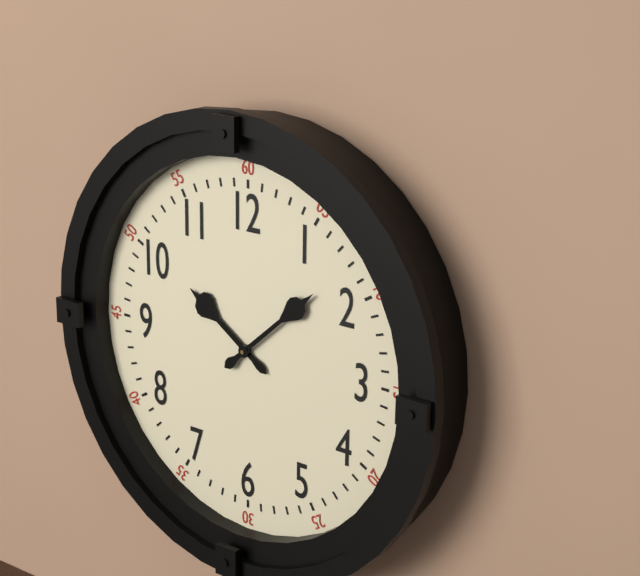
{"hour": 10, "minute": 8}
